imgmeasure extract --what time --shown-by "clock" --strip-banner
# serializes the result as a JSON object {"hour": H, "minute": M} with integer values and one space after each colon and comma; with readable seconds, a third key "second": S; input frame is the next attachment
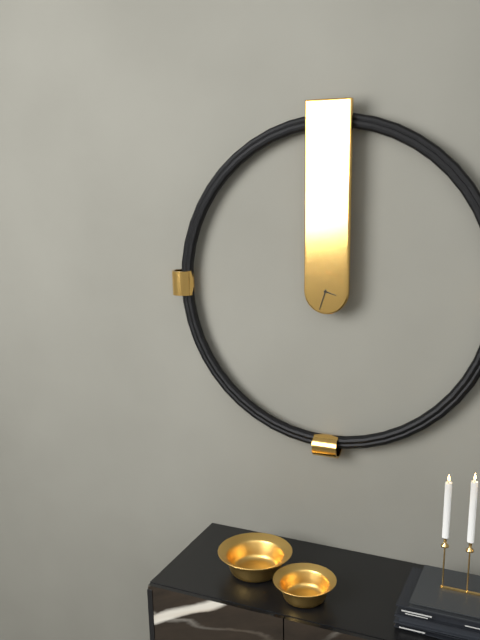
{"hour": 3, "minute": 33}
